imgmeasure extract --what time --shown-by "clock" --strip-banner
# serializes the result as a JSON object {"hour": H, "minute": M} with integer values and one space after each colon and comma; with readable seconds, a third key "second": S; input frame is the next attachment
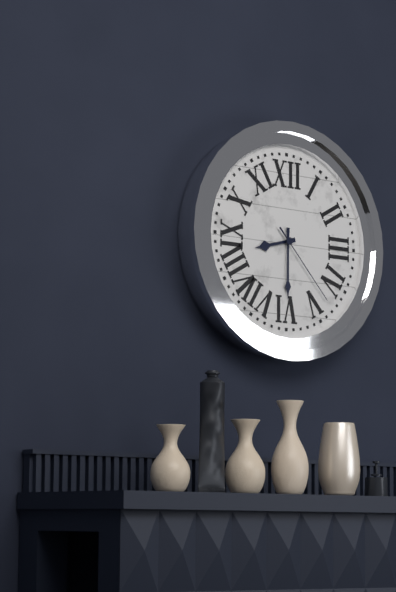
{"hour": 8, "minute": 30, "second": 23}
